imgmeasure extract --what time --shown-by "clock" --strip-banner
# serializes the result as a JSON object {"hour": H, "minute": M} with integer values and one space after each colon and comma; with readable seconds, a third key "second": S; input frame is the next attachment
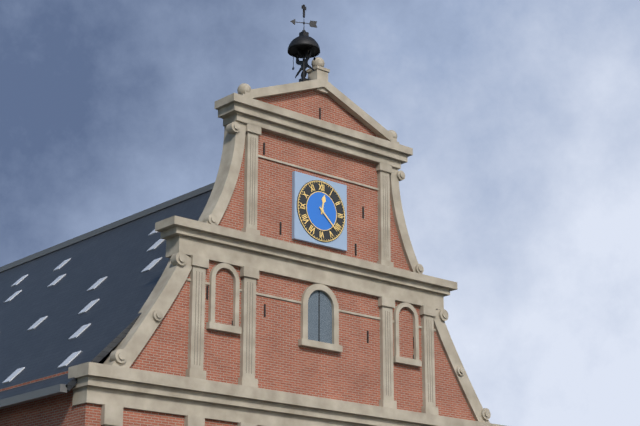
{"hour": 12, "minute": 22}
